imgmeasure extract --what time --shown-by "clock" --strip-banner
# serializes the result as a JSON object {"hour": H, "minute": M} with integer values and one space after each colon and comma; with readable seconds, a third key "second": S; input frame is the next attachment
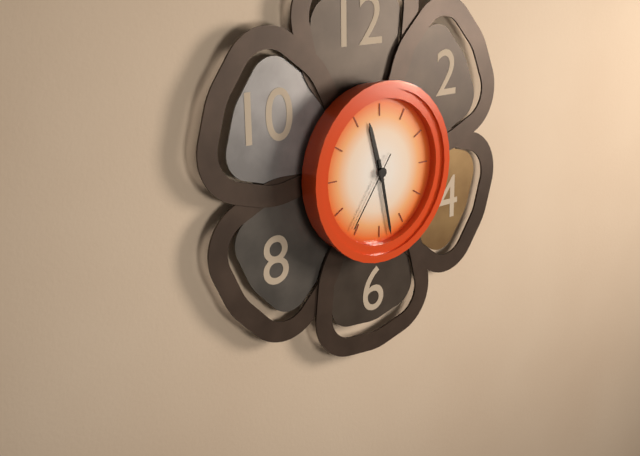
{"hour": 11, "minute": 28, "second": 36}
